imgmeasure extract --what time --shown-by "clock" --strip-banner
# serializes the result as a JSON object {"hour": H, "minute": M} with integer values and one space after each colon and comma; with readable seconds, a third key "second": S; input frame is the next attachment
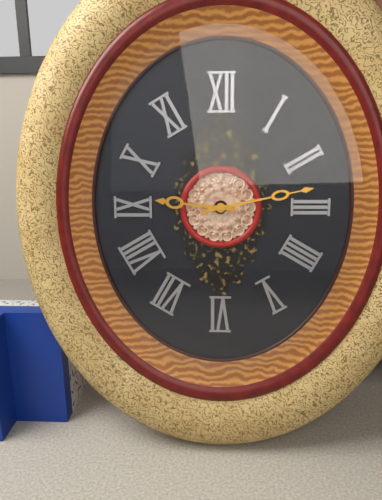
{"hour": 9, "minute": 13}
